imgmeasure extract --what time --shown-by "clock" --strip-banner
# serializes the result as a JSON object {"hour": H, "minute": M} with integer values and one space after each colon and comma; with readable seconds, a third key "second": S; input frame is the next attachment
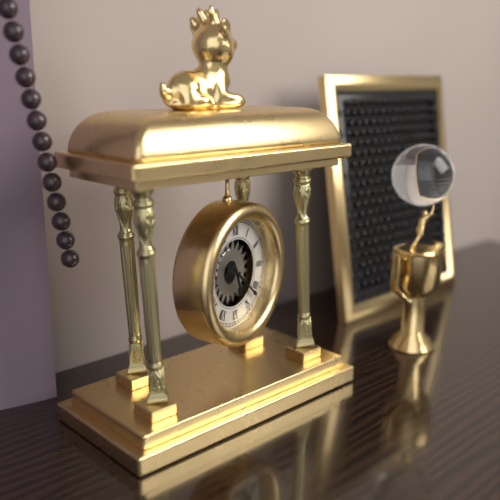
{"hour": 5, "minute": 22}
